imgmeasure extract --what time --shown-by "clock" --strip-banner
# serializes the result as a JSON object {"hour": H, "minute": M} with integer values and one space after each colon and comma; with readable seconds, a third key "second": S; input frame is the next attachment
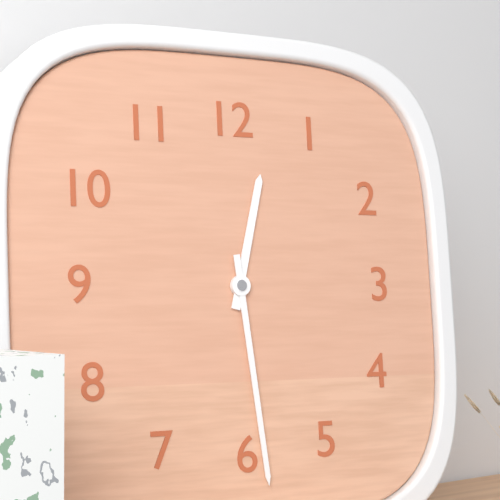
{"hour": 12, "minute": 29}
